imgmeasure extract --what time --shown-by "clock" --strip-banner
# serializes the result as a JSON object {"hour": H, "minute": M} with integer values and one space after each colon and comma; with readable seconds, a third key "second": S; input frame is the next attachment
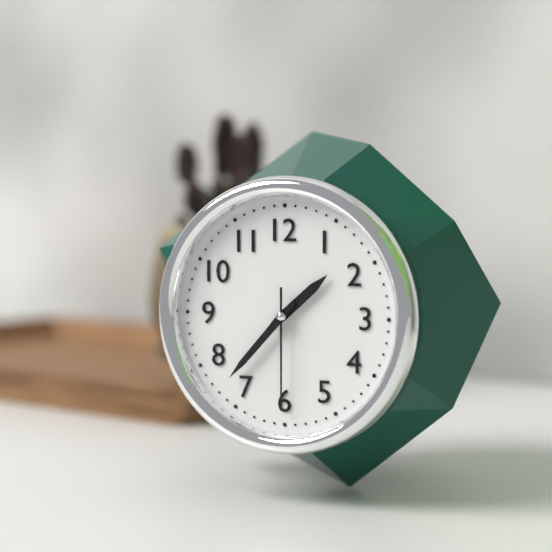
{"hour": 1, "minute": 37, "second": 30}
